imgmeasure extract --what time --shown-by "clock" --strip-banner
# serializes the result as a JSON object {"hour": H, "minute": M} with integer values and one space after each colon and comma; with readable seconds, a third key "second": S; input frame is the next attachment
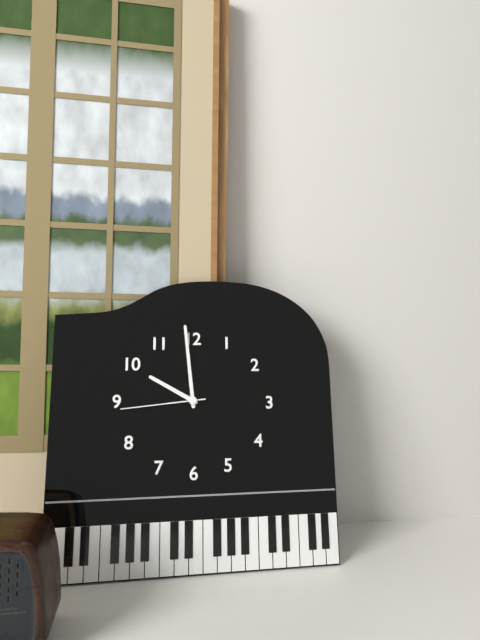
{"hour": 9, "minute": 59, "second": 44}
